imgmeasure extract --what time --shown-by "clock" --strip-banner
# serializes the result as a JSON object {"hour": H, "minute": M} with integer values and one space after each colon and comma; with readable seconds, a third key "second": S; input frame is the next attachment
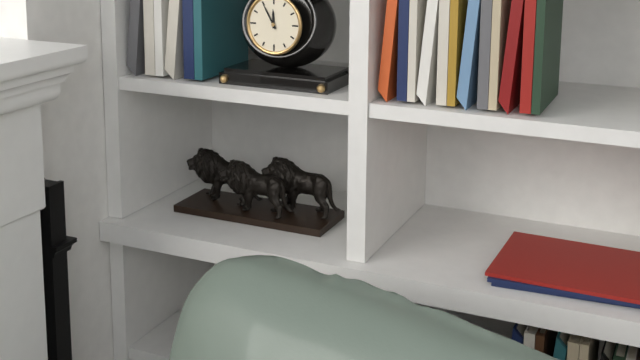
{"hour": 11, "minute": 55}
